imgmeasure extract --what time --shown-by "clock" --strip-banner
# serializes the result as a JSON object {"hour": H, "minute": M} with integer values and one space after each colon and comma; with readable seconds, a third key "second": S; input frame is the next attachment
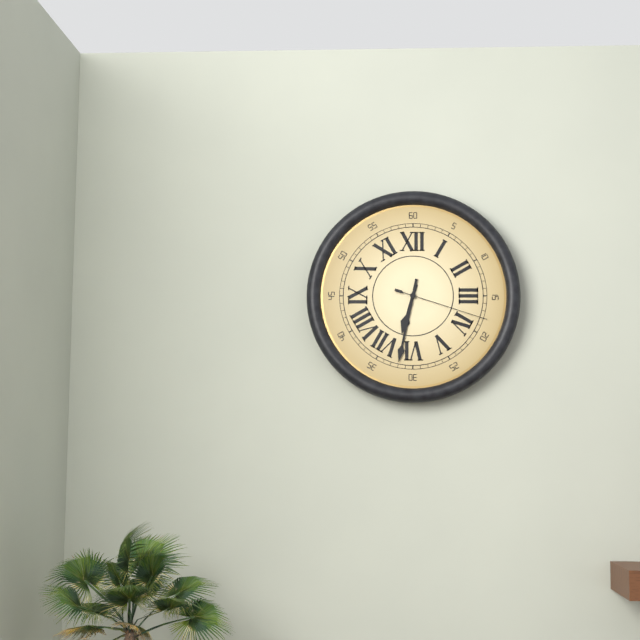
{"hour": 6, "minute": 32, "second": 18}
